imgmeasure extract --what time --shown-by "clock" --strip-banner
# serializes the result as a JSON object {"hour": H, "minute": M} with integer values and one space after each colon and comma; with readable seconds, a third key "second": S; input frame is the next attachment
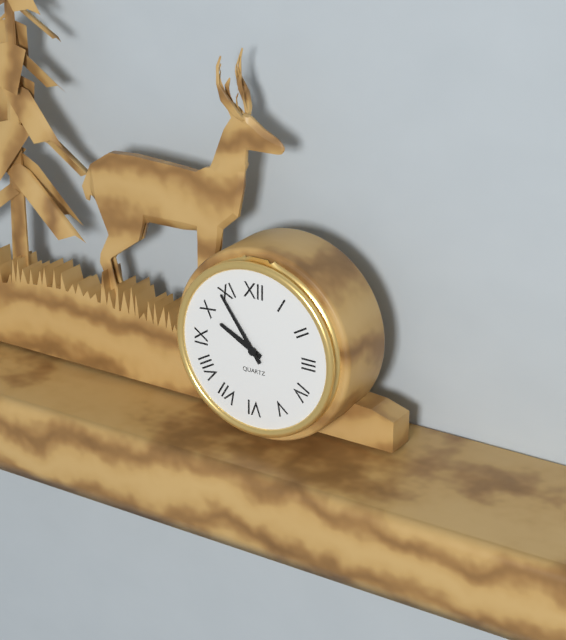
{"hour": 9, "minute": 54}
